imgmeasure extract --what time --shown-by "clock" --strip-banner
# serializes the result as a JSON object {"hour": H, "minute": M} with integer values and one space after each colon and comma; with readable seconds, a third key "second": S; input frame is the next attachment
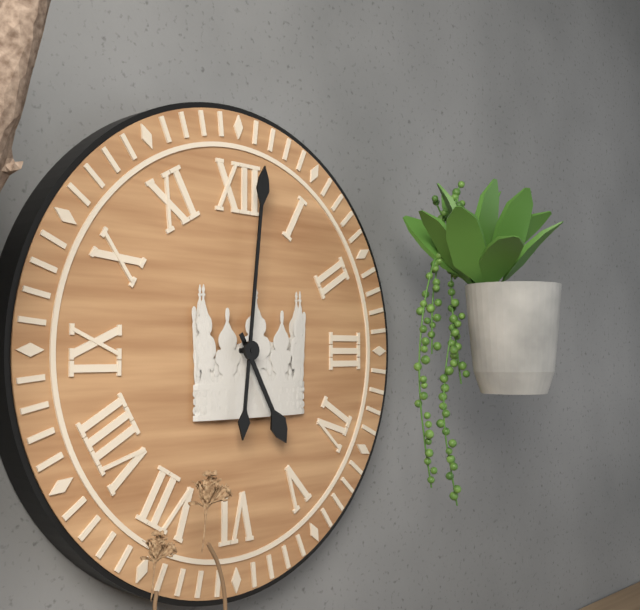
{"hour": 5, "minute": 1}
